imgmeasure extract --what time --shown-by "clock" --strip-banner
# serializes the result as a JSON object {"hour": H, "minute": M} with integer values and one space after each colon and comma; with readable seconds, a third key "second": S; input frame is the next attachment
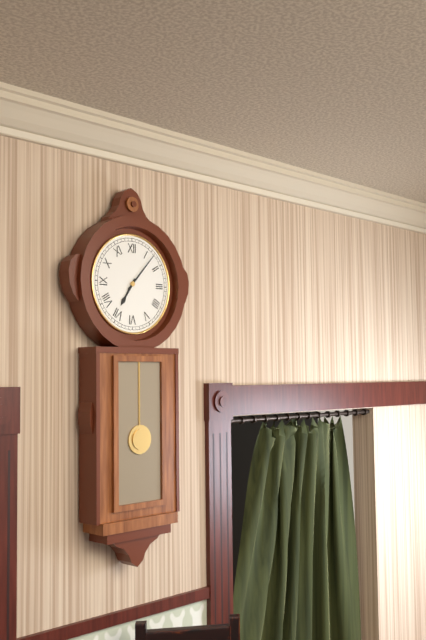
{"hour": 7, "minute": 7}
